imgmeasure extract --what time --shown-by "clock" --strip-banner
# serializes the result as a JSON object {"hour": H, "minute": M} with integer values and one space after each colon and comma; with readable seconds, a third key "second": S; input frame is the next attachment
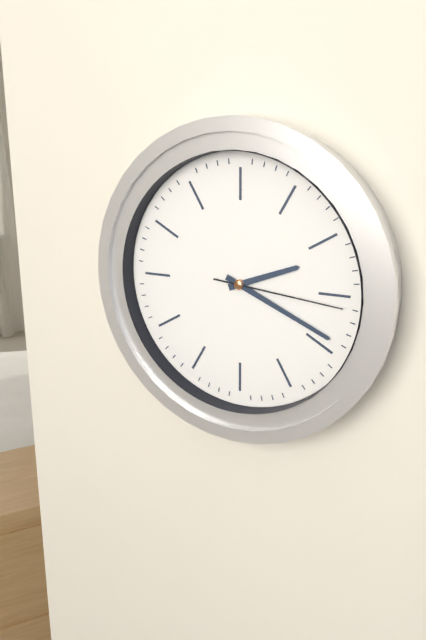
{"hour": 2, "minute": 19, "second": 16}
